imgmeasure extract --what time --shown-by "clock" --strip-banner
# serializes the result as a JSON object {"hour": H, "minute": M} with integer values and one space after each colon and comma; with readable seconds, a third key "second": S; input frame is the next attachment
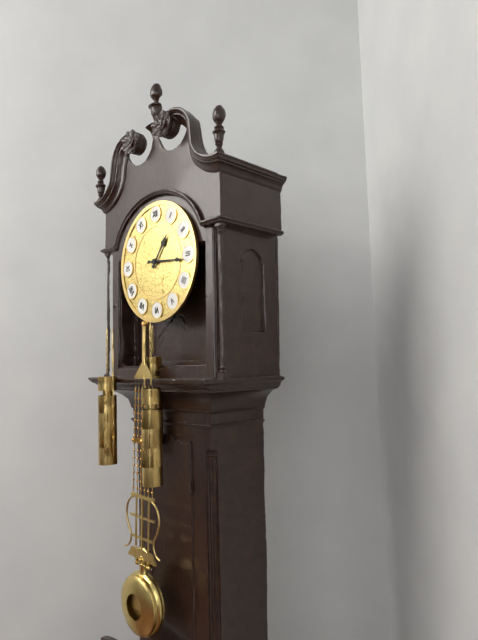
{"hour": 1, "minute": 16}
